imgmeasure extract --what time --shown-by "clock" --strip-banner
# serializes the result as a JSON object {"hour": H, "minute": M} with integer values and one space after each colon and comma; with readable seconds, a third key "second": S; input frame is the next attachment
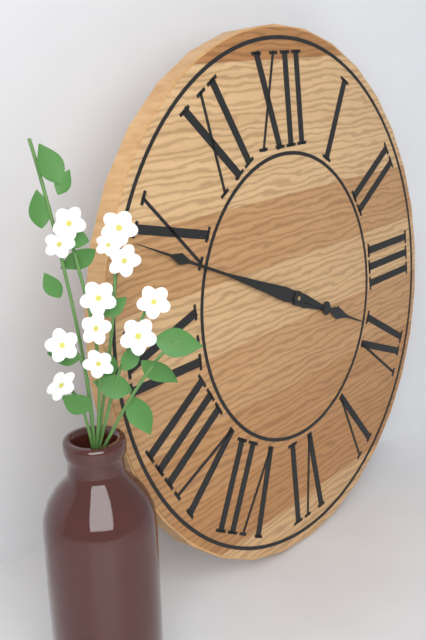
{"hour": 3, "minute": 49}
